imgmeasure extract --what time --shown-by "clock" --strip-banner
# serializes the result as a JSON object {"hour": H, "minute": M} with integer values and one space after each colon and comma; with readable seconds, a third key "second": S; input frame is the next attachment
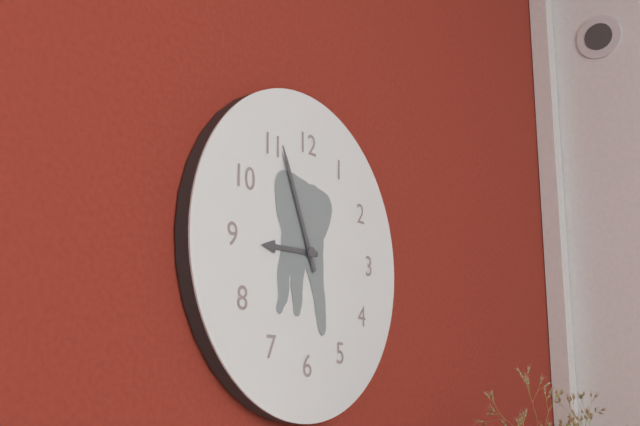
{"hour": 8, "minute": 56}
